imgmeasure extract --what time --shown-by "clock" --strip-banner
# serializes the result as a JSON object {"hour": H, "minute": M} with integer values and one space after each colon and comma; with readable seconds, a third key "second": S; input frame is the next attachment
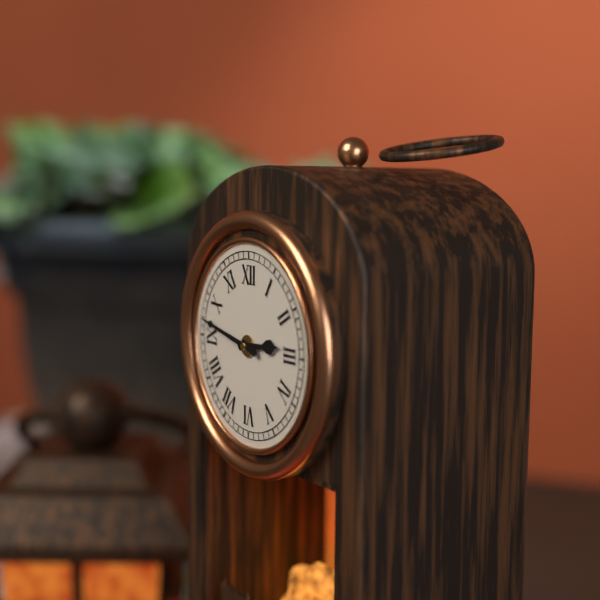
{"hour": 2, "minute": 47}
